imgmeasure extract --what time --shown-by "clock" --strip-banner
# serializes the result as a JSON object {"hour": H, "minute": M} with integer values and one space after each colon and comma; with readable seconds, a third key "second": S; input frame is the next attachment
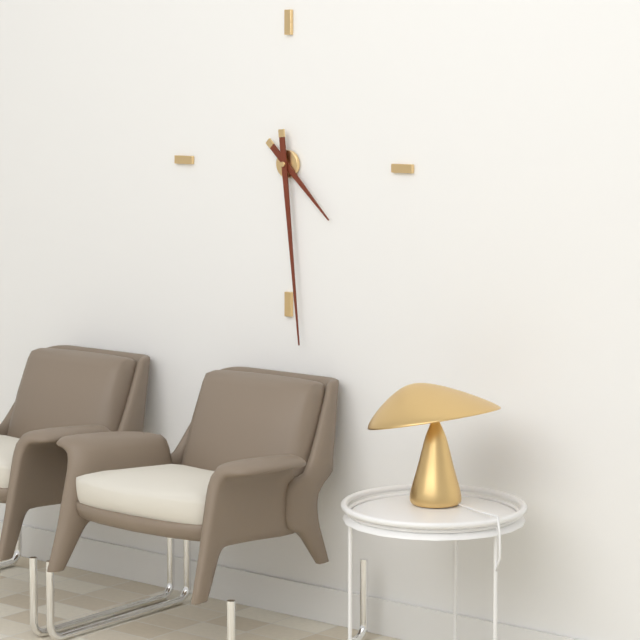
{"hour": 4, "minute": 29}
